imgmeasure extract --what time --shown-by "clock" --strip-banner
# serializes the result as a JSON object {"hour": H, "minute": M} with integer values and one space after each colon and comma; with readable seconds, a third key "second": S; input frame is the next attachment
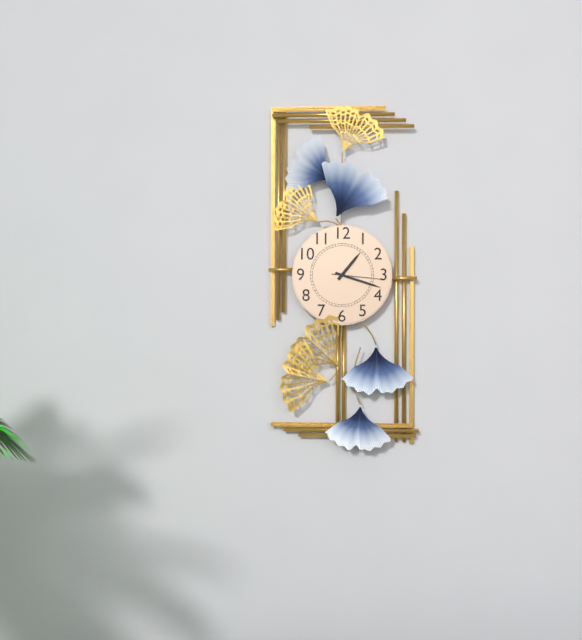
{"hour": 1, "minute": 18, "second": 16}
